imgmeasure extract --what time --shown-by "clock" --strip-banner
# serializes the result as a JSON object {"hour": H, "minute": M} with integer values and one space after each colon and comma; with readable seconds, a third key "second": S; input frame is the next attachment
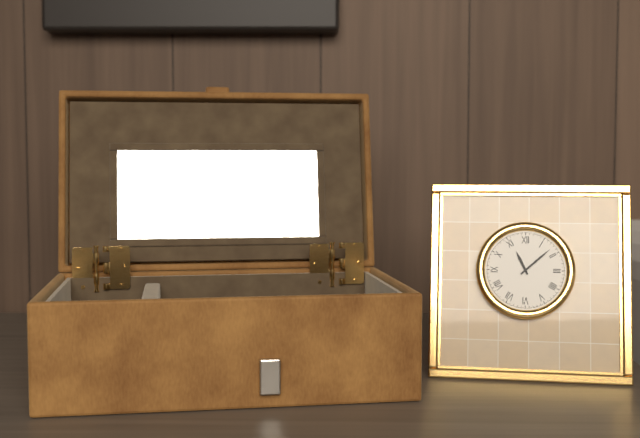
{"hour": 11, "minute": 8}
